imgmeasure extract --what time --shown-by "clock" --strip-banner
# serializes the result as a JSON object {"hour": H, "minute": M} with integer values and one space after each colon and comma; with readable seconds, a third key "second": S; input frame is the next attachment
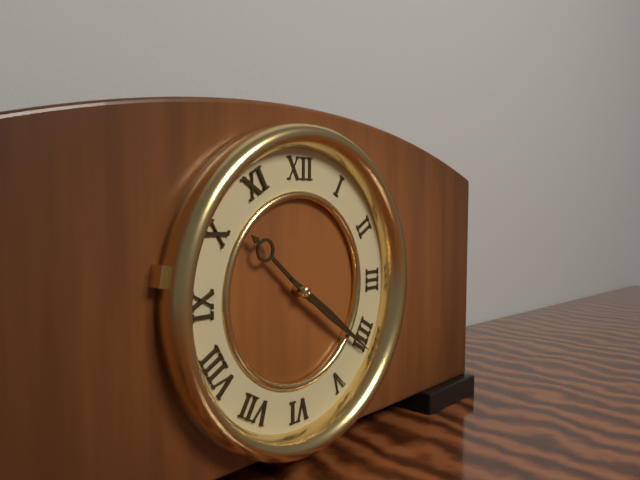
{"hour": 10, "minute": 21}
